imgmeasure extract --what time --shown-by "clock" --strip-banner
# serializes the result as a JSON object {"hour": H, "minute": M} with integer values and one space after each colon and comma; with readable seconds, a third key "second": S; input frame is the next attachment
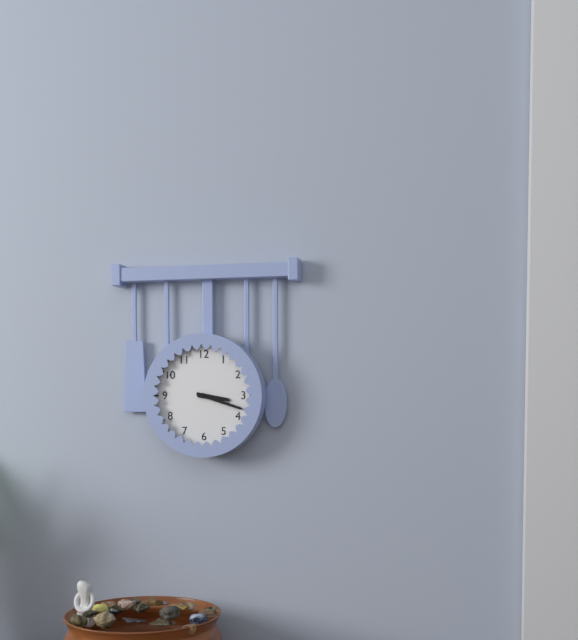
{"hour": 3, "minute": 18}
